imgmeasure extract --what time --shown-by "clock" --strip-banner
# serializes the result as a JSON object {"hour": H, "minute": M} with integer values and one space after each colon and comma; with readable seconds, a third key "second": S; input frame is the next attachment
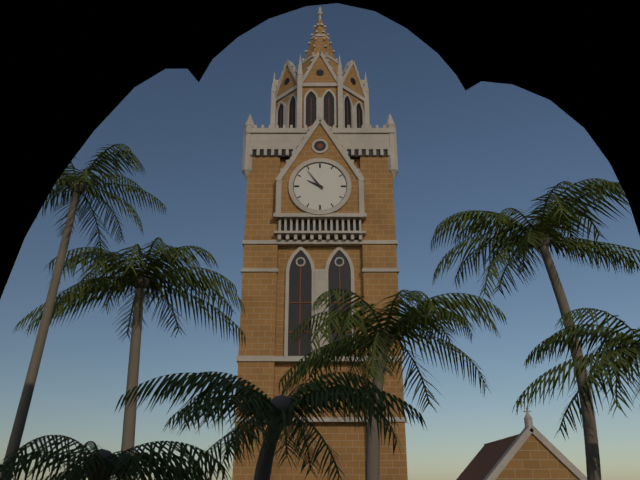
{"hour": 9, "minute": 54}
